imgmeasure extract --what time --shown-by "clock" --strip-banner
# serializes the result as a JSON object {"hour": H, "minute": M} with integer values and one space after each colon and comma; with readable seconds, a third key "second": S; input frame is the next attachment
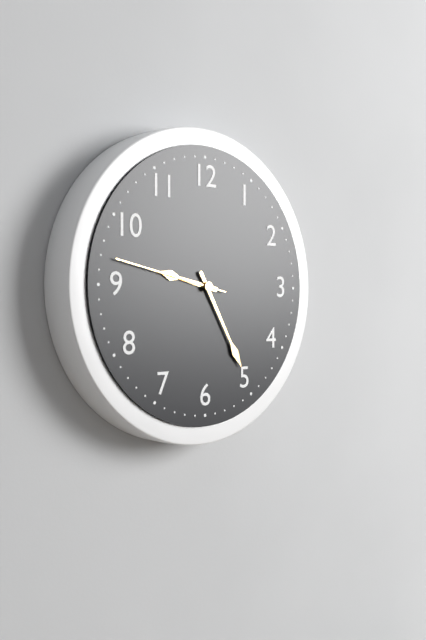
{"hour": 9, "minute": 25, "second": 47}
